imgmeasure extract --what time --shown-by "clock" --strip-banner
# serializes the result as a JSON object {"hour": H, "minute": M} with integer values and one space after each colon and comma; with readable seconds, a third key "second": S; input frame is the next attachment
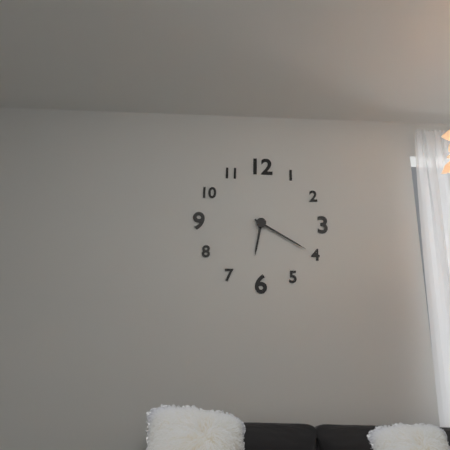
{"hour": 6, "minute": 20}
